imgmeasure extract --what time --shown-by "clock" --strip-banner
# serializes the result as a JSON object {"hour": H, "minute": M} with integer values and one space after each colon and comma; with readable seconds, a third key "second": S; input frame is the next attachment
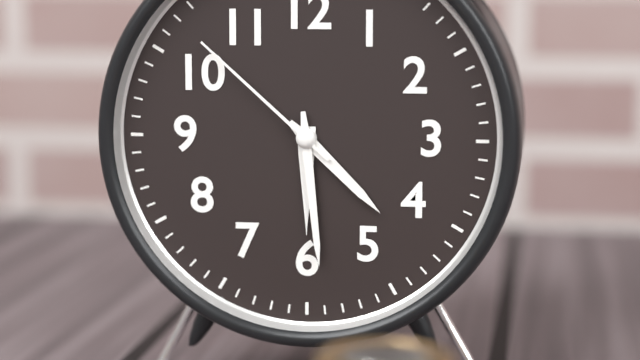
{"hour": 4, "minute": 29, "second": 52}
